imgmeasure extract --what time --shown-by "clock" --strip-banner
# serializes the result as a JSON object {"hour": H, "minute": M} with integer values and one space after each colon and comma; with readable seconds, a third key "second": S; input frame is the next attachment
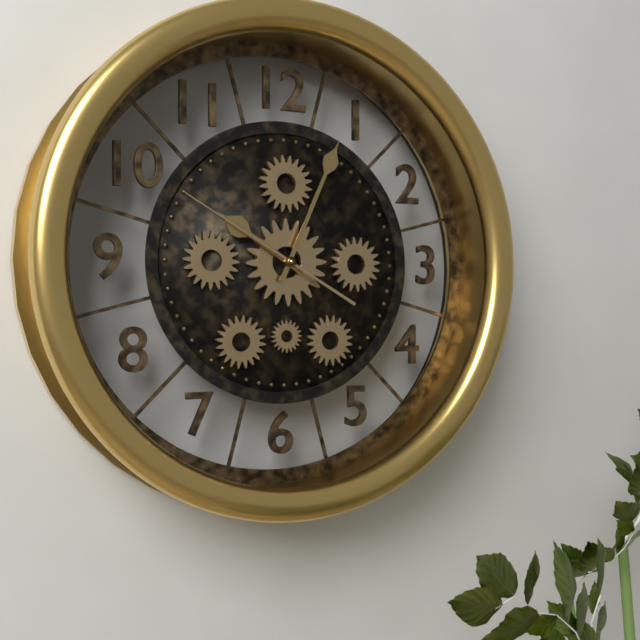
{"hour": 10, "minute": 4, "second": 50}
